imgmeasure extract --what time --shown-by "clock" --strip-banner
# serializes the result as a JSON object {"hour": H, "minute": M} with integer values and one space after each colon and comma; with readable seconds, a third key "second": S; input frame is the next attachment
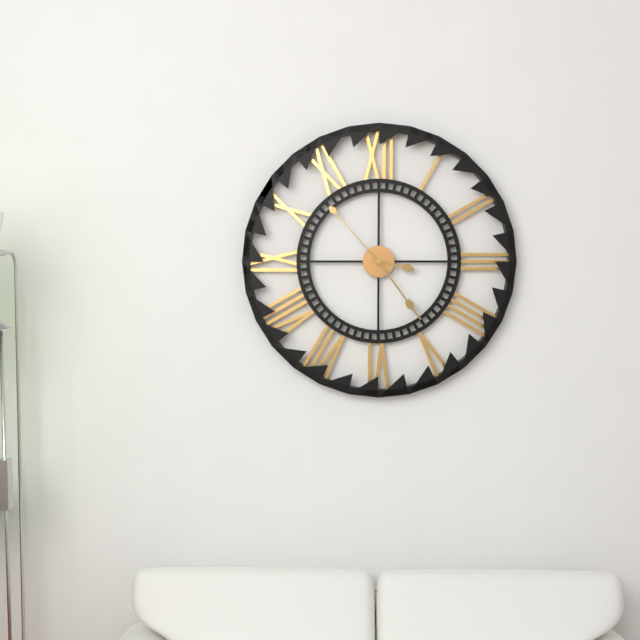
{"hour": 3, "minute": 24, "second": 53}
